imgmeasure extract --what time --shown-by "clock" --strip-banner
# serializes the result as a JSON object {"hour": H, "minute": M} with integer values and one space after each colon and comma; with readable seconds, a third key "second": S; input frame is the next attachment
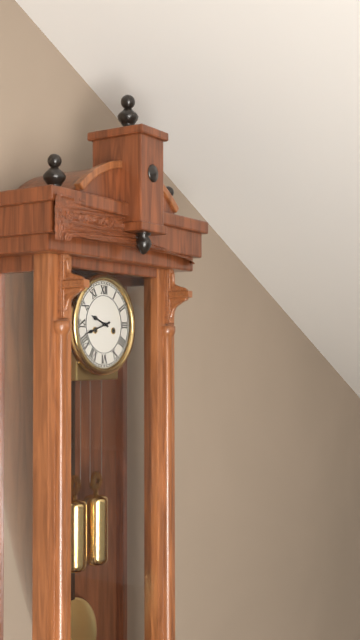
{"hour": 9, "minute": 42}
